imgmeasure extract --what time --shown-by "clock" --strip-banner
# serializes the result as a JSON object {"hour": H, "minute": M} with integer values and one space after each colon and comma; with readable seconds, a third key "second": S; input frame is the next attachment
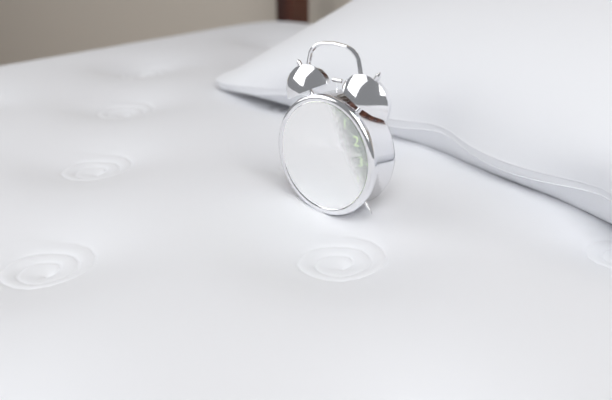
{"hour": 8, "minute": 13}
